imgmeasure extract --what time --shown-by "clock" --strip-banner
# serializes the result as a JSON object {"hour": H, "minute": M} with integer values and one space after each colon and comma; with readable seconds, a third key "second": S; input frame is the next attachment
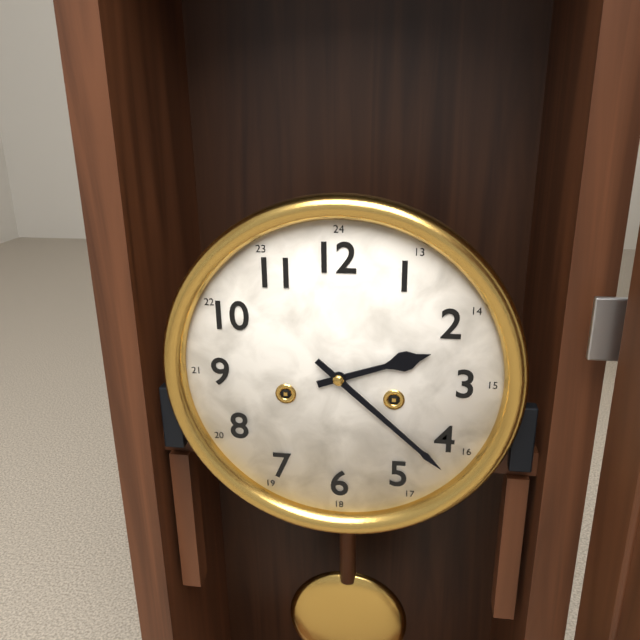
{"hour": 2, "minute": 22}
